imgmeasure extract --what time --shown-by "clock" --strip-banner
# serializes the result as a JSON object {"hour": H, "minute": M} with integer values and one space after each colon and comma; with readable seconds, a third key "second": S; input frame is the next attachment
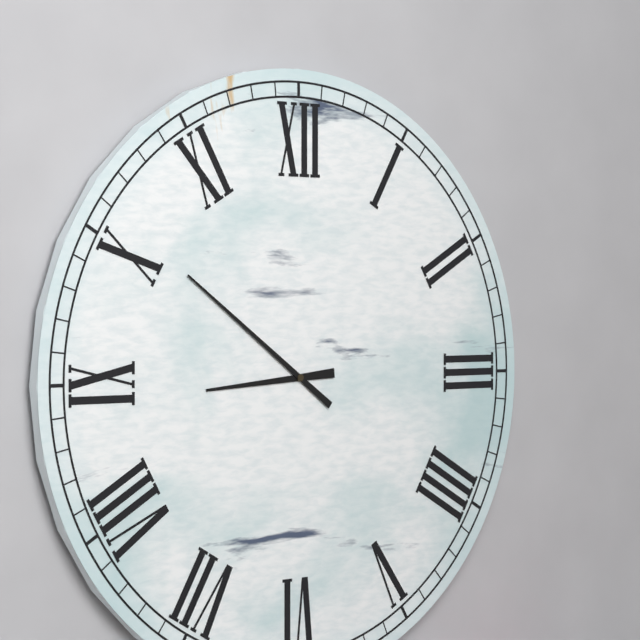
{"hour": 8, "minute": 51}
